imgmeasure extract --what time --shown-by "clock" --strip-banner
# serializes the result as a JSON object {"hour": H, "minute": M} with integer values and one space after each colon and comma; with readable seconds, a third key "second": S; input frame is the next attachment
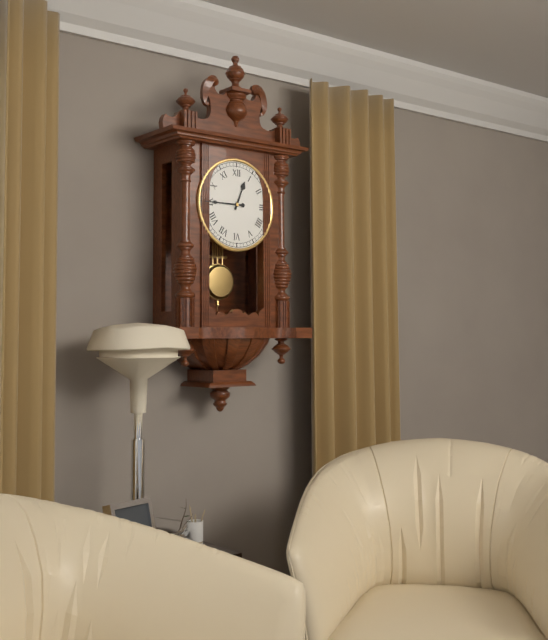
{"hour": 12, "minute": 45}
